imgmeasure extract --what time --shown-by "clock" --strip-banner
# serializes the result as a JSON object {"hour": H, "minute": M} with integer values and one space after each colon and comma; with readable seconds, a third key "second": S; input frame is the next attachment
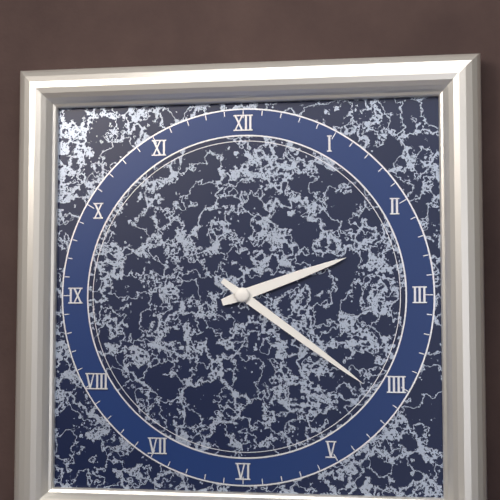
{"hour": 2, "minute": 21}
